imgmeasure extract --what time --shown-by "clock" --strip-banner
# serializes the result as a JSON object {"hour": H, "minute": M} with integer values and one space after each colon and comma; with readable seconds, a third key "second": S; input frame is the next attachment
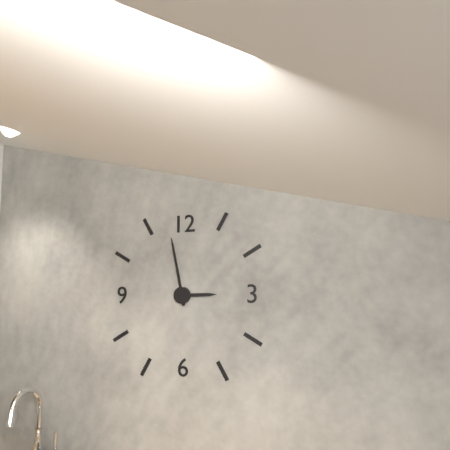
{"hour": 2, "minute": 58}
